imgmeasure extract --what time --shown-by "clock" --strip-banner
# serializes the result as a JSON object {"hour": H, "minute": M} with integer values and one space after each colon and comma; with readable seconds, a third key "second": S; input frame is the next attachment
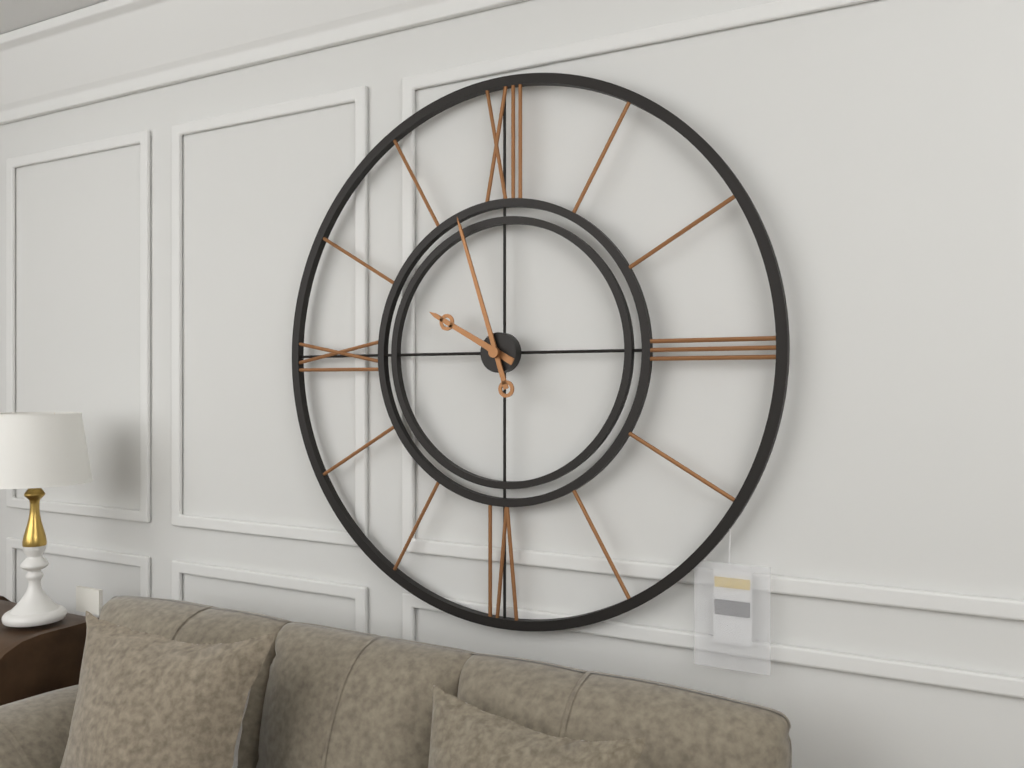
{"hour": 9, "minute": 57}
